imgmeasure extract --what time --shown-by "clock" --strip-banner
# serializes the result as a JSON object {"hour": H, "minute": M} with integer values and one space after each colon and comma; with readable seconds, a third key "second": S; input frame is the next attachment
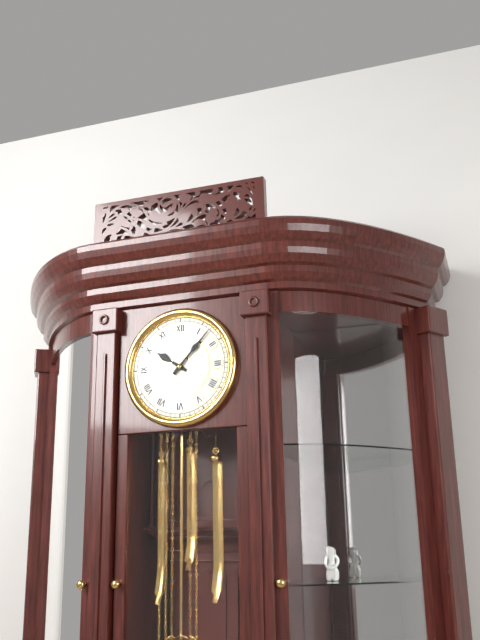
{"hour": 10, "minute": 7}
